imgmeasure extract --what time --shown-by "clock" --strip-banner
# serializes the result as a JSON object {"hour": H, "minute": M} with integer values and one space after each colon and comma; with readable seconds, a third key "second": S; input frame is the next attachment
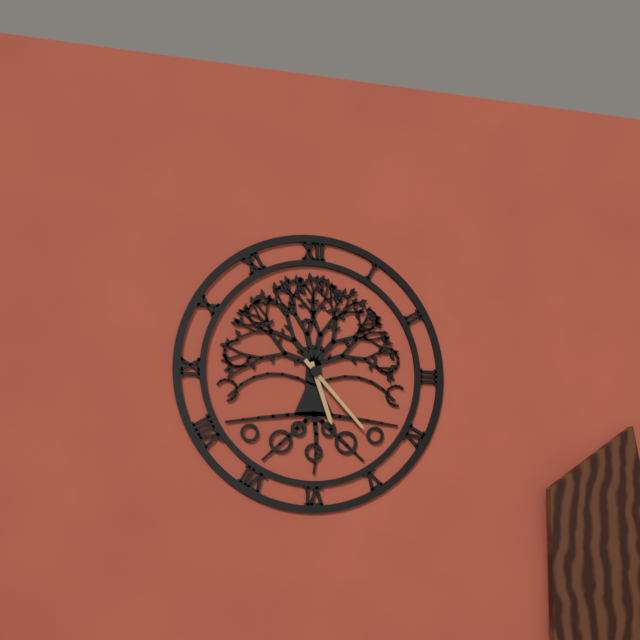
{"hour": 5, "minute": 23}
